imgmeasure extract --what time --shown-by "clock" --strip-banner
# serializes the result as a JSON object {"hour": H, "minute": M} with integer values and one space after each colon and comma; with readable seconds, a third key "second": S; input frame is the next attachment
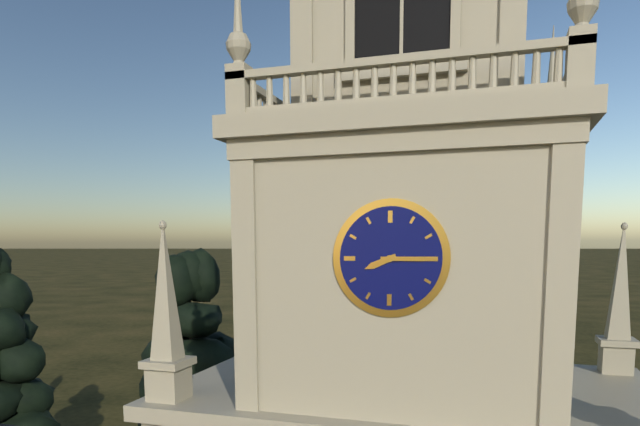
{"hour": 8, "minute": 15}
